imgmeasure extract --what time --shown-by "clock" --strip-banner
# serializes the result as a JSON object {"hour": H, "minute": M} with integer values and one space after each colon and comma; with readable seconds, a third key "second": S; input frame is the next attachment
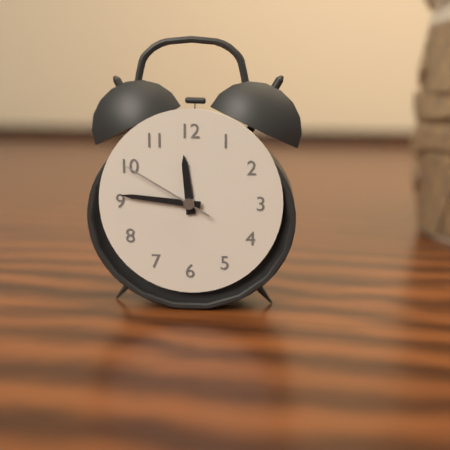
{"hour": 11, "minute": 46, "second": 50}
